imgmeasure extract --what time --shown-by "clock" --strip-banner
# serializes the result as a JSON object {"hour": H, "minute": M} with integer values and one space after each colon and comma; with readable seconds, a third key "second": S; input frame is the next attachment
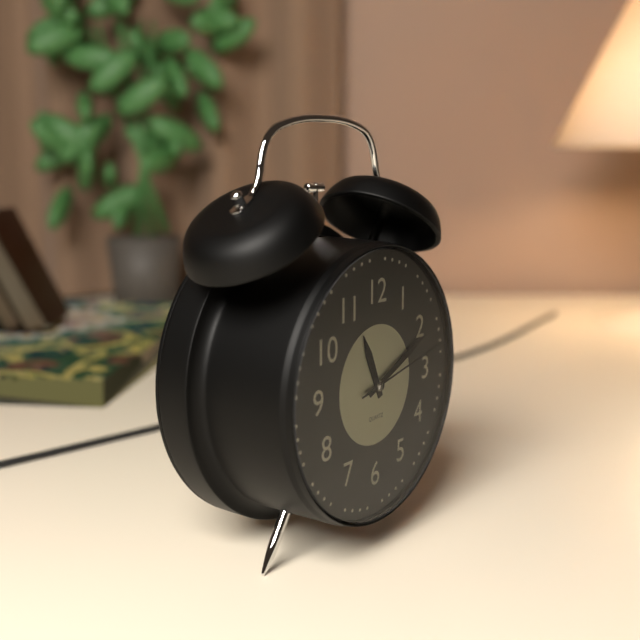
{"hour": 11, "minute": 11, "second": 13}
